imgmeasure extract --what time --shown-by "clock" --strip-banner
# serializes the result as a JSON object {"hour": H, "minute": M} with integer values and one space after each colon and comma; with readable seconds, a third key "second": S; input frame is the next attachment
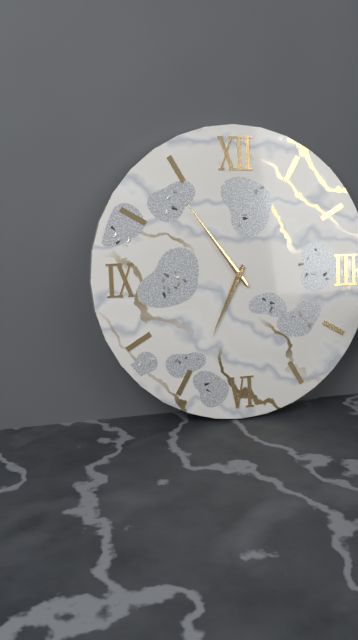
{"hour": 6, "minute": 54}
